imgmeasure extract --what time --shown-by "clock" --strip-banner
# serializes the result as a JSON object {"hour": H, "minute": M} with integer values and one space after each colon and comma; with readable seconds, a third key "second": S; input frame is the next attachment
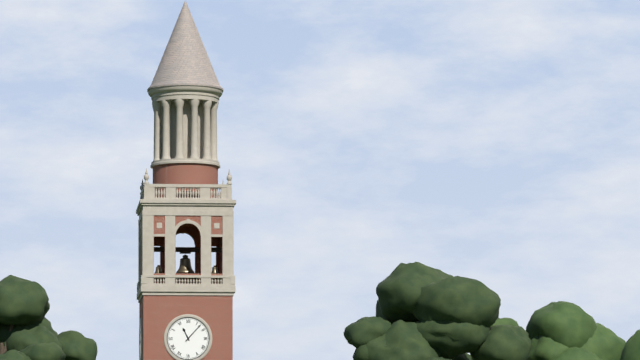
{"hour": 11, "minute": 7}
